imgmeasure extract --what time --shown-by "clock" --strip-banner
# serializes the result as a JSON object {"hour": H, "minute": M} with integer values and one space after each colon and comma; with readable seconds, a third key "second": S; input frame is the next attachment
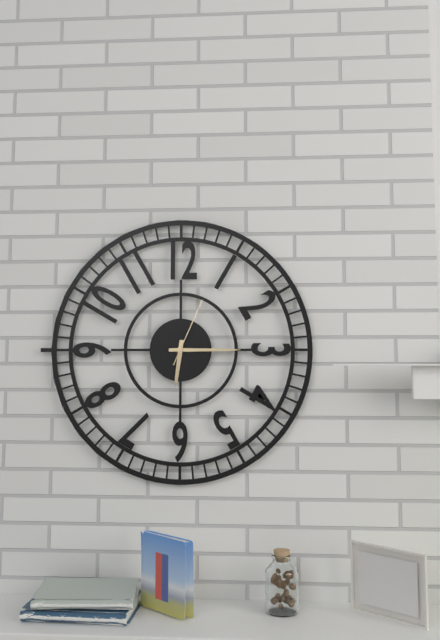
{"hour": 6, "minute": 15, "second": 4}
